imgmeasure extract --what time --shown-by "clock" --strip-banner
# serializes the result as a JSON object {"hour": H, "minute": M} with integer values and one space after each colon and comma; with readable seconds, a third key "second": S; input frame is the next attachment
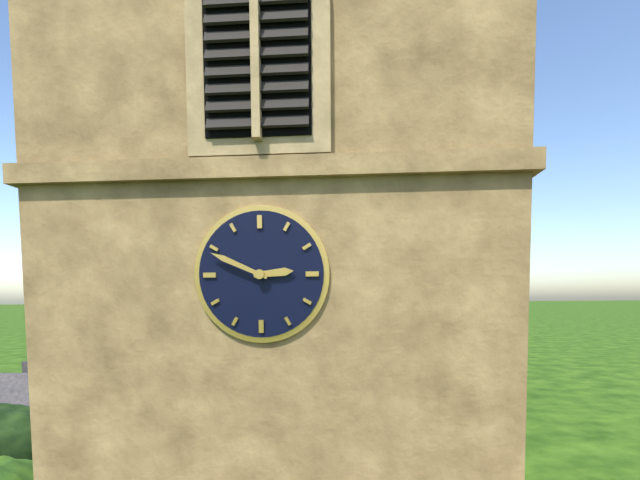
{"hour": 2, "minute": 49}
